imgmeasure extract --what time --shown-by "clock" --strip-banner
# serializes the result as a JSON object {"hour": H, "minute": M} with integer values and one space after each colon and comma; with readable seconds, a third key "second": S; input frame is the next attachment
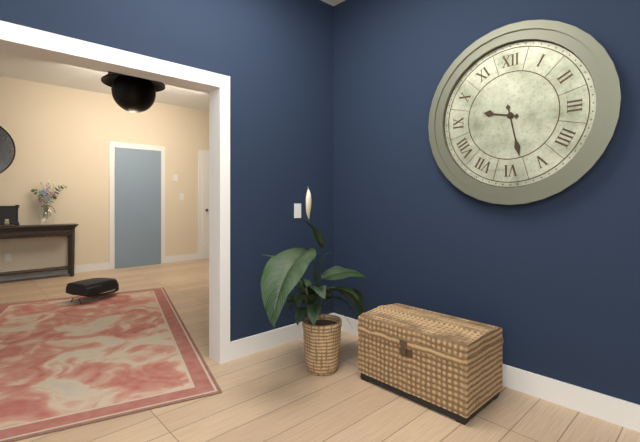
{"hour": 9, "minute": 28}
